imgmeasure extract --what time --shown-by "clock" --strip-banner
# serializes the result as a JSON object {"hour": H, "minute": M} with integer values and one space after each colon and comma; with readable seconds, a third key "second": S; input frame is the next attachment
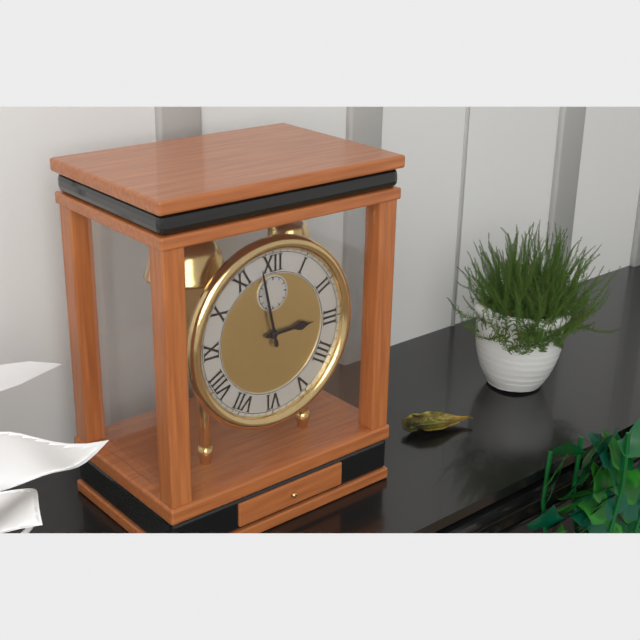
{"hour": 2, "minute": 58}
